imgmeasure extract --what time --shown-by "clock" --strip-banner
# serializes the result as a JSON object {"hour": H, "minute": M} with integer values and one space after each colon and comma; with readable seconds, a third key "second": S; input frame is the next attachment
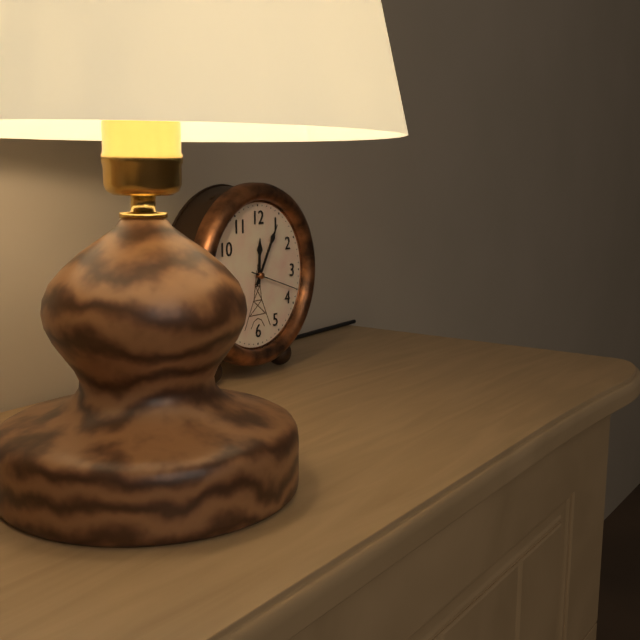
{"hour": 12, "minute": 5}
